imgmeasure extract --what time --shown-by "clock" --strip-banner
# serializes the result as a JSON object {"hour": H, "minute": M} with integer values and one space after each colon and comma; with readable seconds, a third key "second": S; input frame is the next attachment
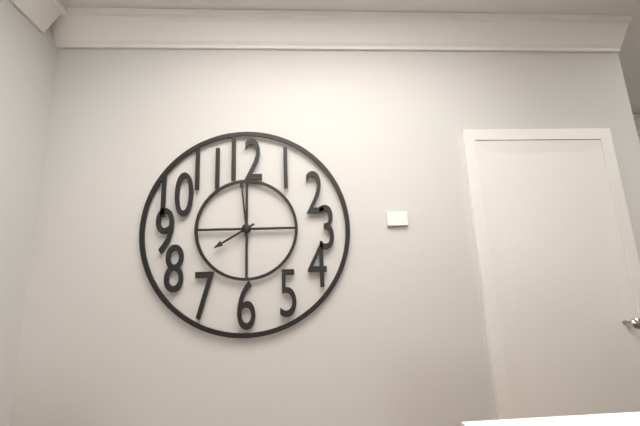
{"hour": 7, "minute": 59}
